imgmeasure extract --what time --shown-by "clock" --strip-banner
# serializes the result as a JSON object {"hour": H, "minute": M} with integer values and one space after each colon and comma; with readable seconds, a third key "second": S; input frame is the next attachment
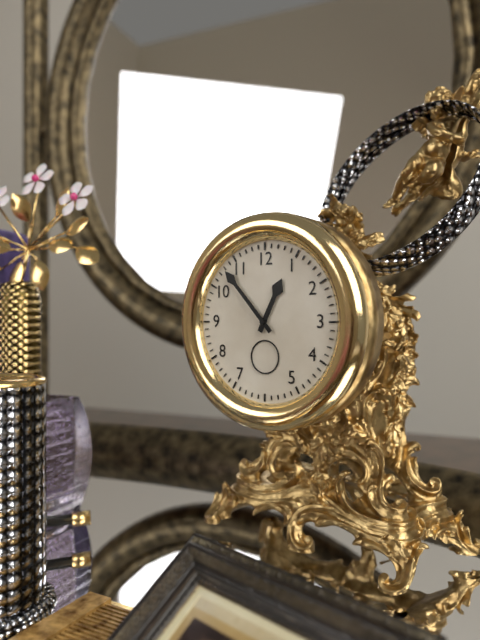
{"hour": 12, "minute": 53}
